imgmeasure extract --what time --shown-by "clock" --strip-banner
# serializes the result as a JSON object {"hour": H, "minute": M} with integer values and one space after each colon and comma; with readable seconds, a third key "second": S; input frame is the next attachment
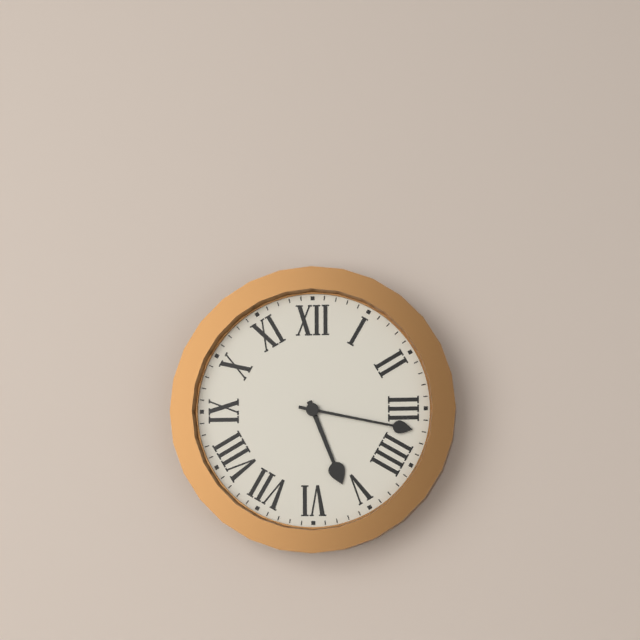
{"hour": 5, "minute": 17}
